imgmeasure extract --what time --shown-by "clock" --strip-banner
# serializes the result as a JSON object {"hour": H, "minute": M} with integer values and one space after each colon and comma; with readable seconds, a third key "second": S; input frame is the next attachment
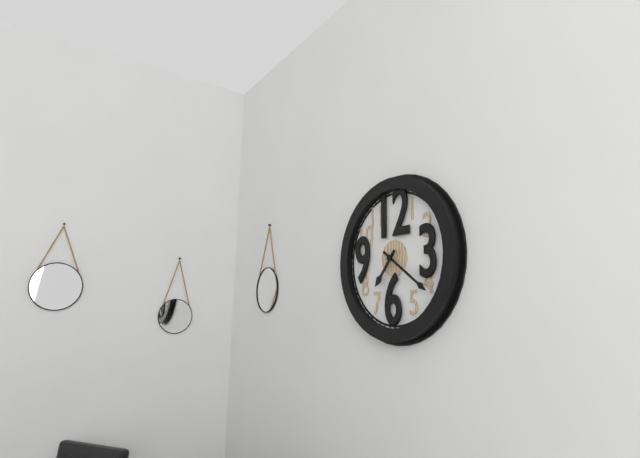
{"hour": 7, "minute": 21}
